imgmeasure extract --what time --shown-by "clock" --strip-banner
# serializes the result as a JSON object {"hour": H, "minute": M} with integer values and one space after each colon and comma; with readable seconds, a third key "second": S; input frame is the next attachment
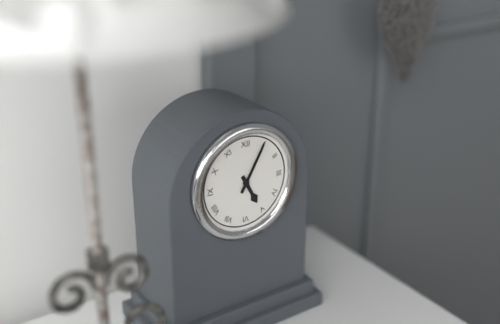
{"hour": 5, "minute": 5}
